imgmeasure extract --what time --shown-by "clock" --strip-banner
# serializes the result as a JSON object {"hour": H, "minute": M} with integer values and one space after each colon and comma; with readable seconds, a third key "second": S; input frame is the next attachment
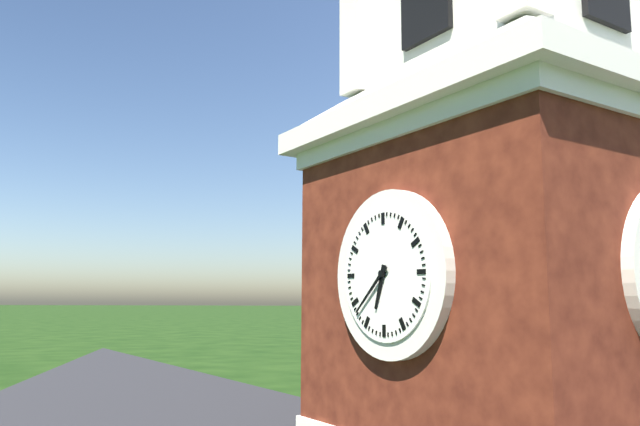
{"hour": 6, "minute": 38}
